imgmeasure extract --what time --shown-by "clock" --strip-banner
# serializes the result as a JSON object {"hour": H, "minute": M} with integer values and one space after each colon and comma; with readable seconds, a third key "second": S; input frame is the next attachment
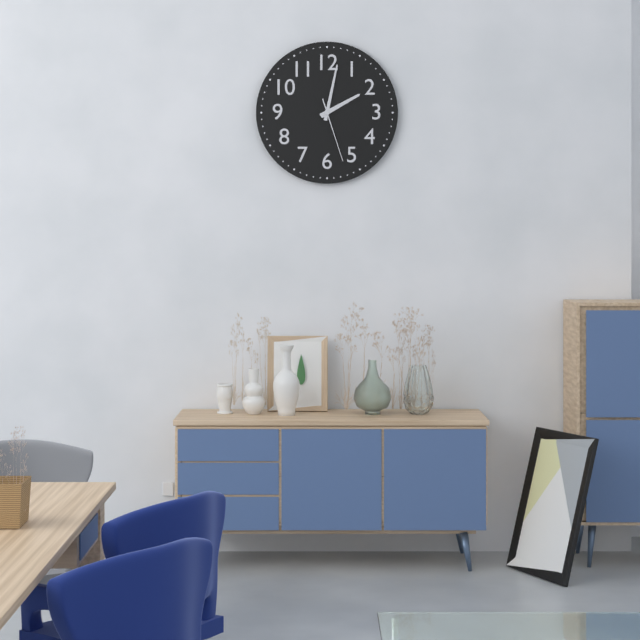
{"hour": 2, "minute": 2, "second": 27}
